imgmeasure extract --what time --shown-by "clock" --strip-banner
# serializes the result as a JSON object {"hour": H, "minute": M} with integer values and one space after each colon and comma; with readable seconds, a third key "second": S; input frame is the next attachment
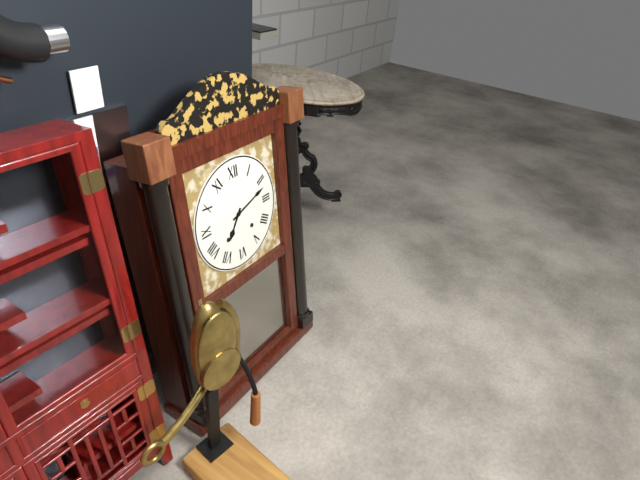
{"hour": 7, "minute": 12}
